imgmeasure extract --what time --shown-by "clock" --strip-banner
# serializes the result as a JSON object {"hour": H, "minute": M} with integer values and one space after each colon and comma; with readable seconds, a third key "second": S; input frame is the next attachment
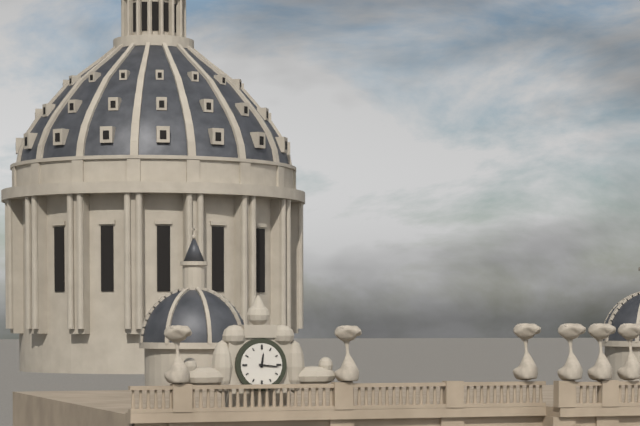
{"hour": 12, "minute": 16}
